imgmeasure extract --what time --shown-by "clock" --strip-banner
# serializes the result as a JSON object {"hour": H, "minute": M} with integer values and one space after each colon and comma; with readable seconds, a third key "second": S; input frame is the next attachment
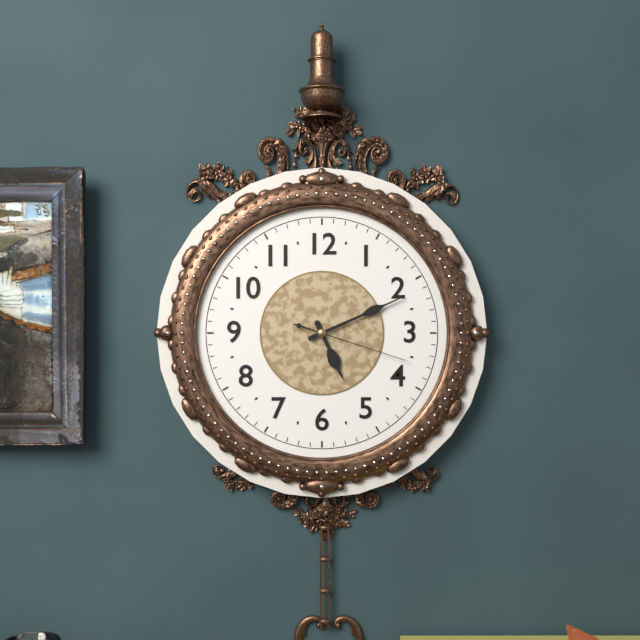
{"hour": 5, "minute": 11, "second": 18}
